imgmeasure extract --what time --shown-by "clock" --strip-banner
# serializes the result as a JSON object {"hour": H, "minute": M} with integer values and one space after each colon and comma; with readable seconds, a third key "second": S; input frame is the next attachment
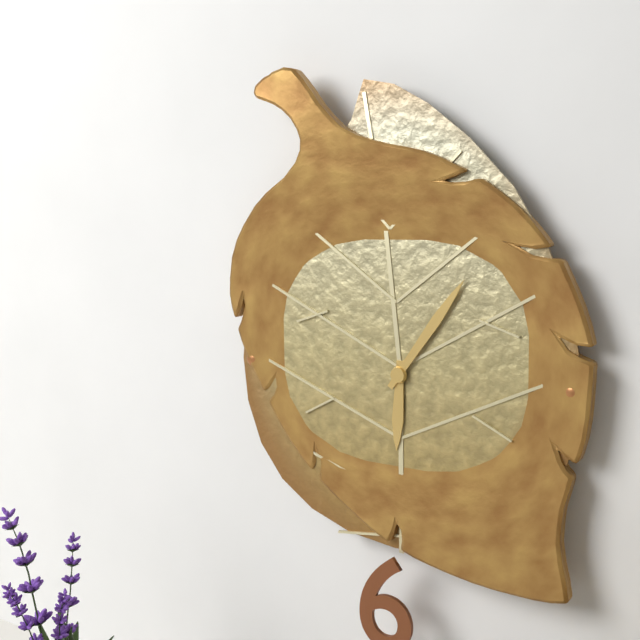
{"hour": 6, "minute": 6}
